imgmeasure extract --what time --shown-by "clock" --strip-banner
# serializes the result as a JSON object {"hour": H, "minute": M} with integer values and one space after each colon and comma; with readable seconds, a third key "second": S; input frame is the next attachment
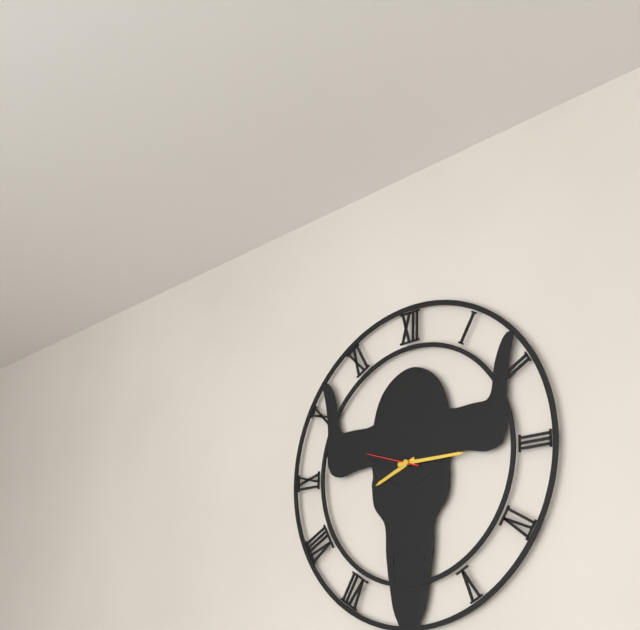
{"hour": 8, "minute": 15, "second": 48}
